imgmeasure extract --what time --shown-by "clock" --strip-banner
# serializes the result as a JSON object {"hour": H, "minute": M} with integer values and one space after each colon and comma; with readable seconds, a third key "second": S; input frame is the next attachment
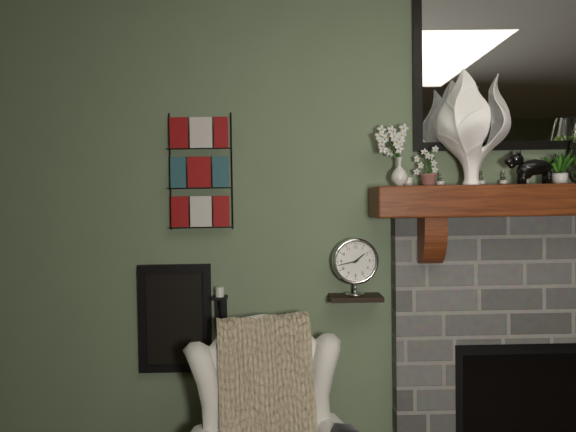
{"hour": 1, "minute": 43}
